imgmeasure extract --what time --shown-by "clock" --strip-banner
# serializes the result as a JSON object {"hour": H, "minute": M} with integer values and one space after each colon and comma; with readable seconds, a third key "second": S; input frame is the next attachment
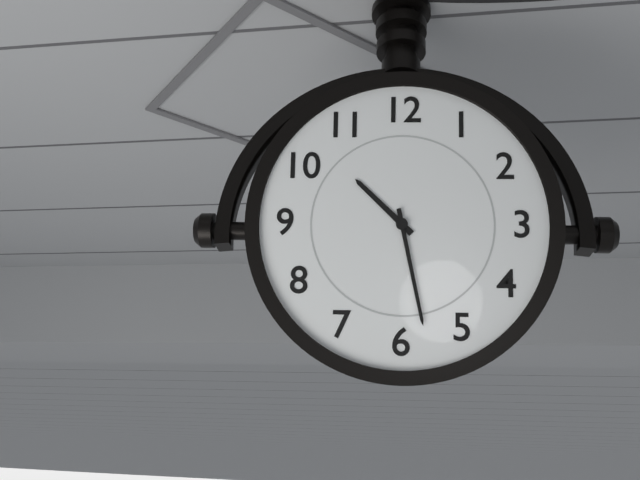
{"hour": 10, "minute": 28}
